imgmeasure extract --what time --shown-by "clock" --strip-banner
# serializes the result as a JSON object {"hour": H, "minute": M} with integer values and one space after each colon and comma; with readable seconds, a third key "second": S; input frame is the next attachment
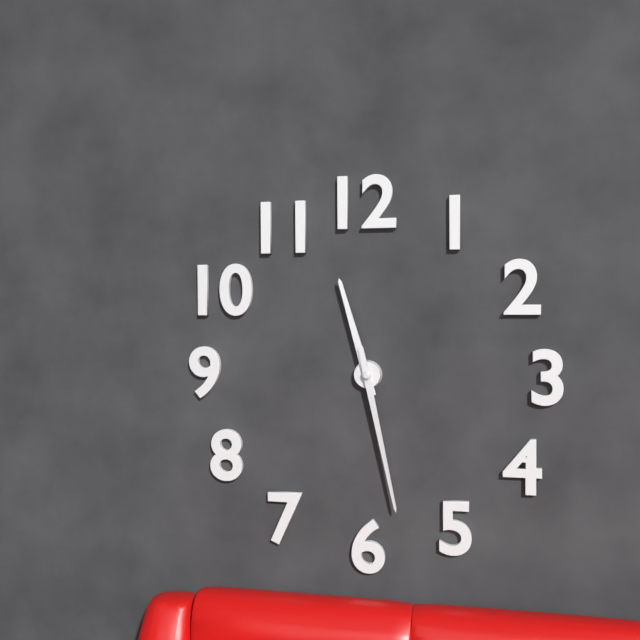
{"hour": 11, "minute": 28}
